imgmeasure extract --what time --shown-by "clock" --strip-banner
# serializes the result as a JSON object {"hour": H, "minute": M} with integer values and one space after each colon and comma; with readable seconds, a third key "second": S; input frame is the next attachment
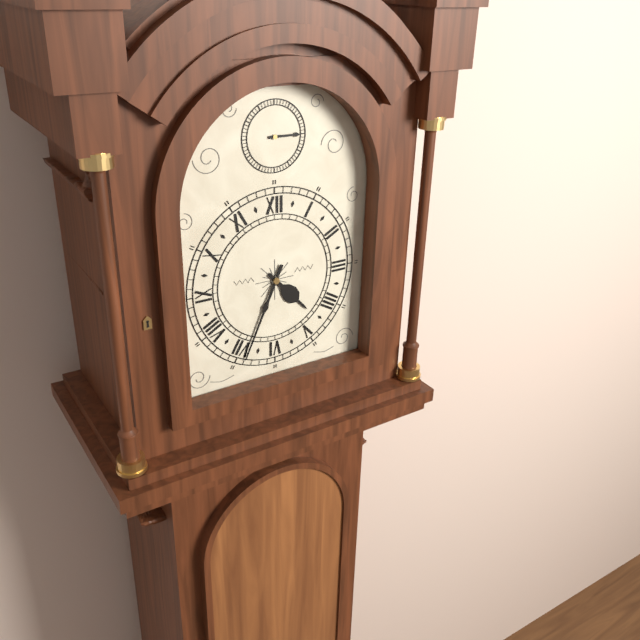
{"hour": 4, "minute": 34}
